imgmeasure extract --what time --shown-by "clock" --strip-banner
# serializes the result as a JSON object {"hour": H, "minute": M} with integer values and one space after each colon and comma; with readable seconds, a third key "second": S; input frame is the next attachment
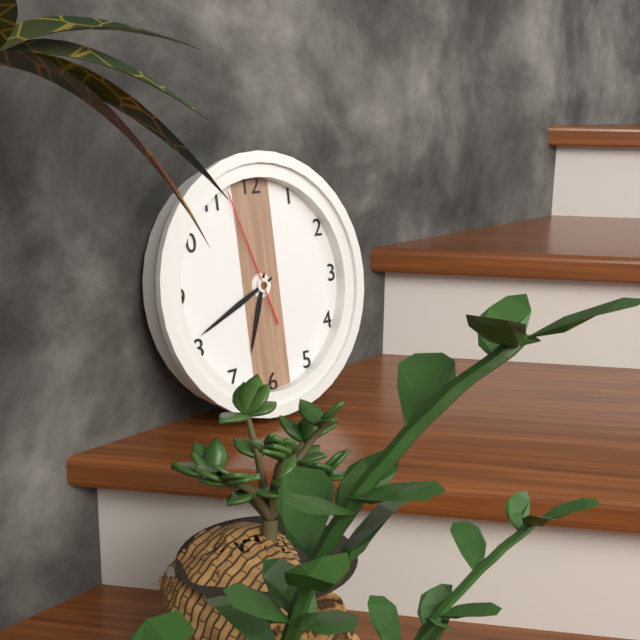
{"hour": 6, "minute": 41, "second": 57}
